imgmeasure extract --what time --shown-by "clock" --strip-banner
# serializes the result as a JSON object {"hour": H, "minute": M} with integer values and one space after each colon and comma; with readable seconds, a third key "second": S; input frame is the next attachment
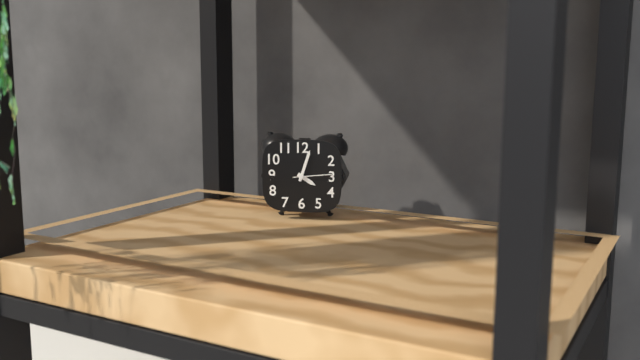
{"hour": 4, "minute": 3}
